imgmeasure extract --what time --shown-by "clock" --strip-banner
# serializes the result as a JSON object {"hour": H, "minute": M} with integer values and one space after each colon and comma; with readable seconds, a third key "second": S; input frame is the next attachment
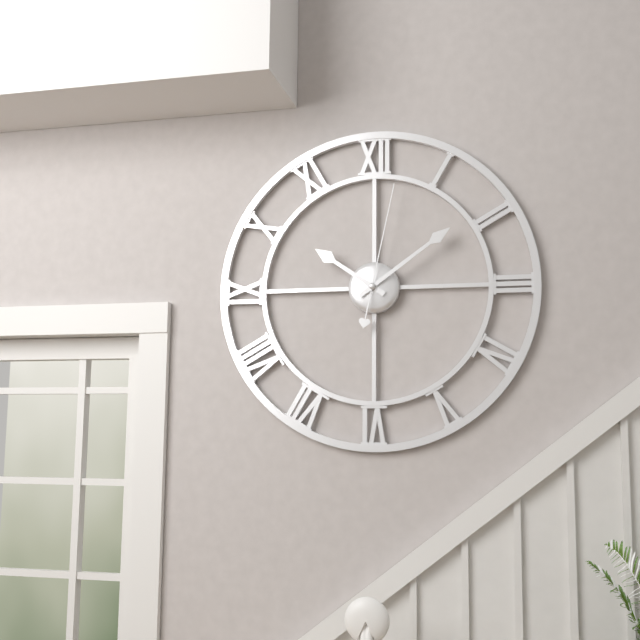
{"hour": 10, "minute": 9, "second": 2}
